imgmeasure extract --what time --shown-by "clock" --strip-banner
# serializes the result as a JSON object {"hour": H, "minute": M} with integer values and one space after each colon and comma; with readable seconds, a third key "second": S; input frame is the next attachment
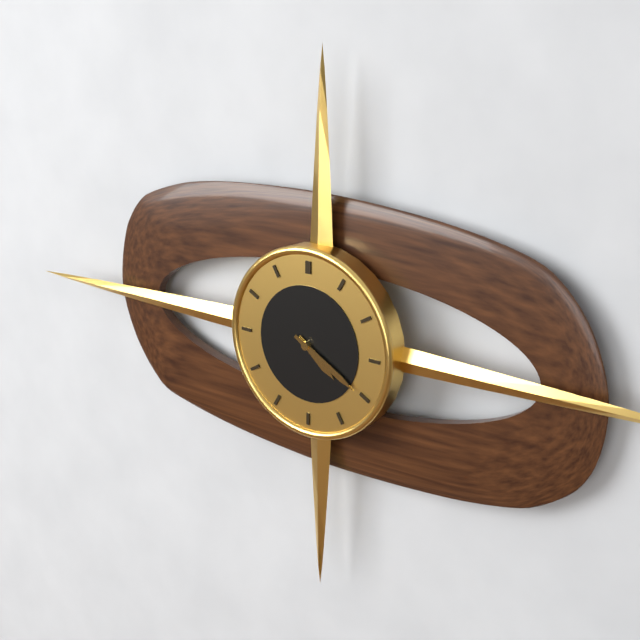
{"hour": 4, "minute": 20}
